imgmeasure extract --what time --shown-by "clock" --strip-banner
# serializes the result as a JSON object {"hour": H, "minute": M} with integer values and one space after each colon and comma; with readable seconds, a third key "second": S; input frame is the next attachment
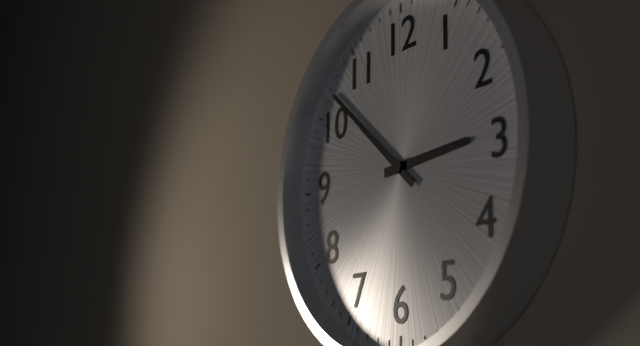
{"hour": 2, "minute": 52}
